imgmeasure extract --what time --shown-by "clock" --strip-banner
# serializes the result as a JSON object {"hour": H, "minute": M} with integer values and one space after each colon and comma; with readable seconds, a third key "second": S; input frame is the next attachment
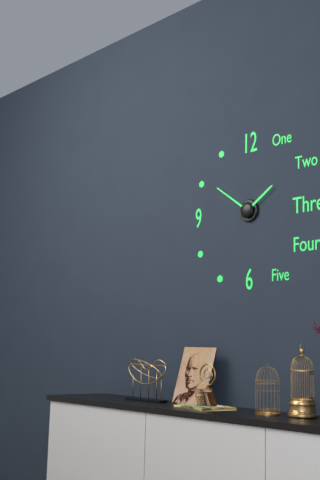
{"hour": 1, "minute": 51}
